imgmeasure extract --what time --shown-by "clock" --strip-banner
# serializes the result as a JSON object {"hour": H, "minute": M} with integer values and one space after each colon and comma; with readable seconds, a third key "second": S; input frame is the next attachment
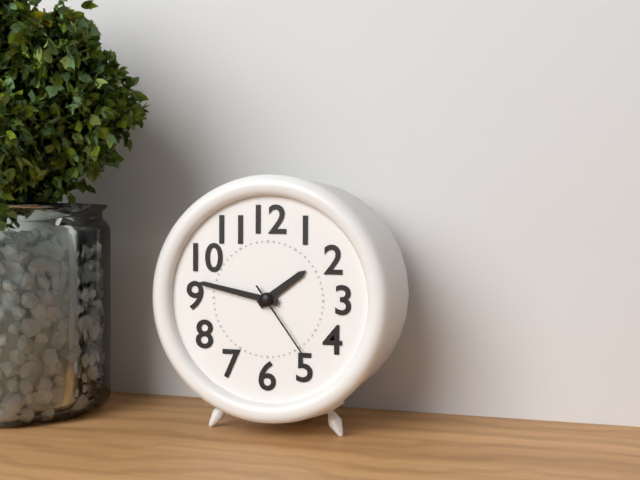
{"hour": 1, "minute": 47, "second": 24}
